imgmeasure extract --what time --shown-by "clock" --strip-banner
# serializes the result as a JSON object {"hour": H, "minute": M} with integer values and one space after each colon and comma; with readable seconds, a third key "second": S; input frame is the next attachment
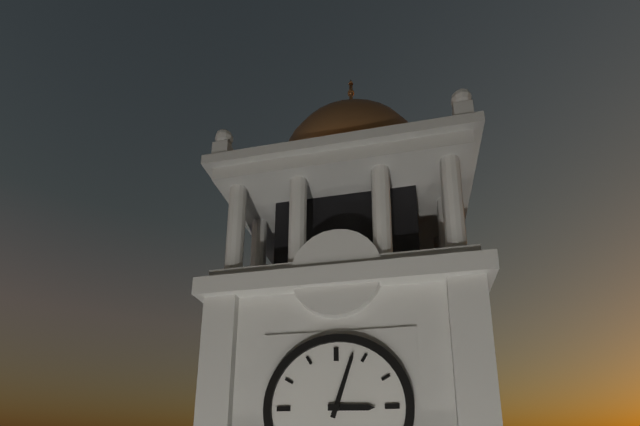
{"hour": 3, "minute": 3}
